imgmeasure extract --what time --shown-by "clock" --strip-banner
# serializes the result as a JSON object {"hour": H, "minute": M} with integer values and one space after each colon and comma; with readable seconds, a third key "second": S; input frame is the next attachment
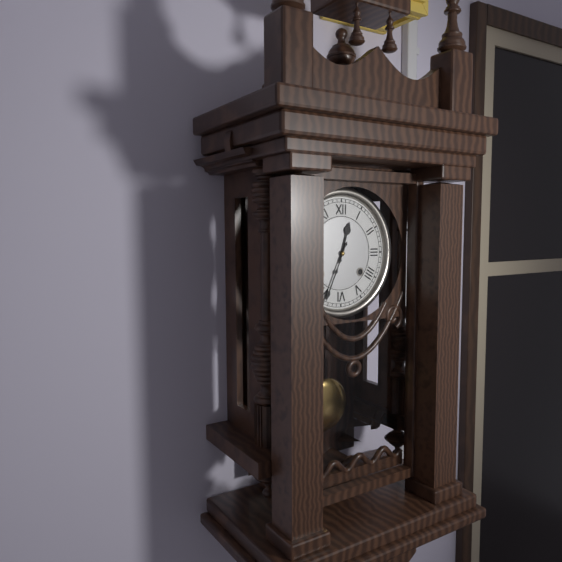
{"hour": 12, "minute": 34}
